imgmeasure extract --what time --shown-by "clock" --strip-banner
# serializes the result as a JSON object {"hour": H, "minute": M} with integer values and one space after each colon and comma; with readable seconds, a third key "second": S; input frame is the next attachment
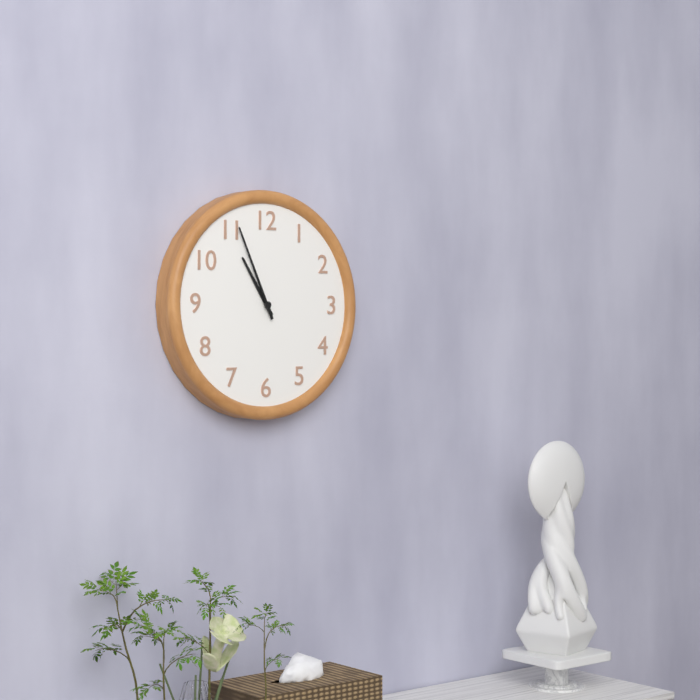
{"hour": 10, "minute": 56}
